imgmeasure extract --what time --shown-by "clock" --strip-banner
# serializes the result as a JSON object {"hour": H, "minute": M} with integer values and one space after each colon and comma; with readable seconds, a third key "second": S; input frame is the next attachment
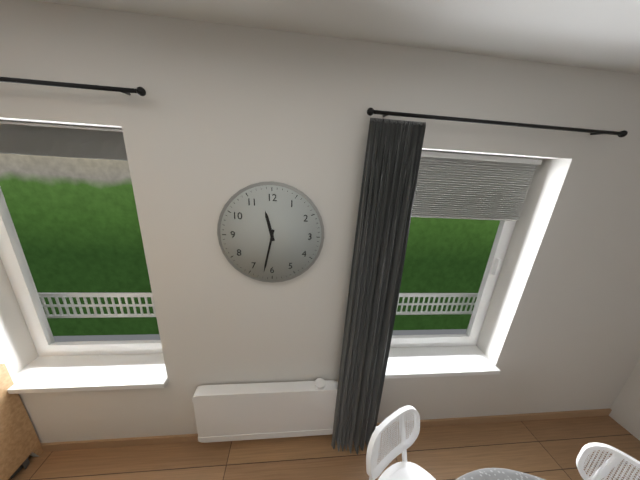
{"hour": 11, "minute": 32}
